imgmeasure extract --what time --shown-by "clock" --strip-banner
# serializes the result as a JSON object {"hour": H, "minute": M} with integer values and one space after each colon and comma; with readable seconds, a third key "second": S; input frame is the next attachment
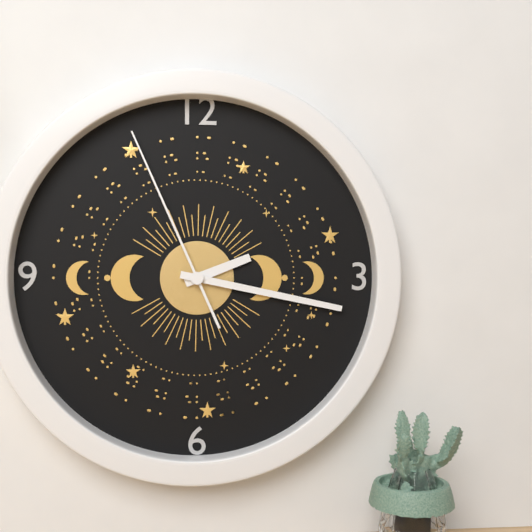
{"hour": 2, "minute": 17, "second": 56}
